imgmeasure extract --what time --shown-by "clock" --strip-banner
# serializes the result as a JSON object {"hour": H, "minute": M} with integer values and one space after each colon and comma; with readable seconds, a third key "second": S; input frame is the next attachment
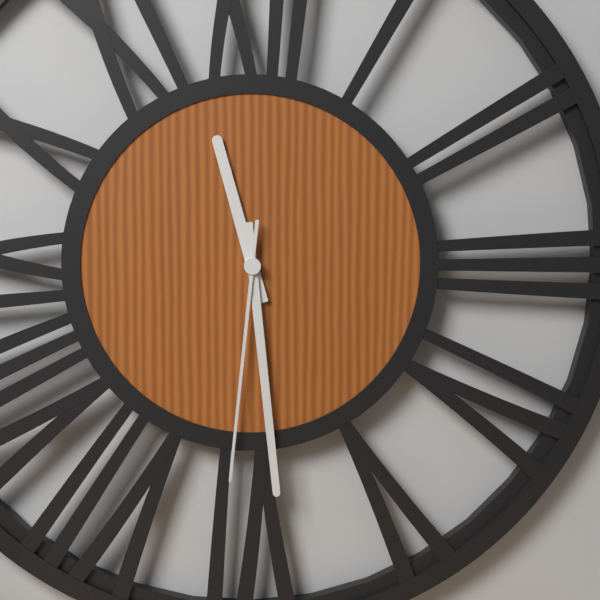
{"hour": 11, "minute": 29, "second": 31}
